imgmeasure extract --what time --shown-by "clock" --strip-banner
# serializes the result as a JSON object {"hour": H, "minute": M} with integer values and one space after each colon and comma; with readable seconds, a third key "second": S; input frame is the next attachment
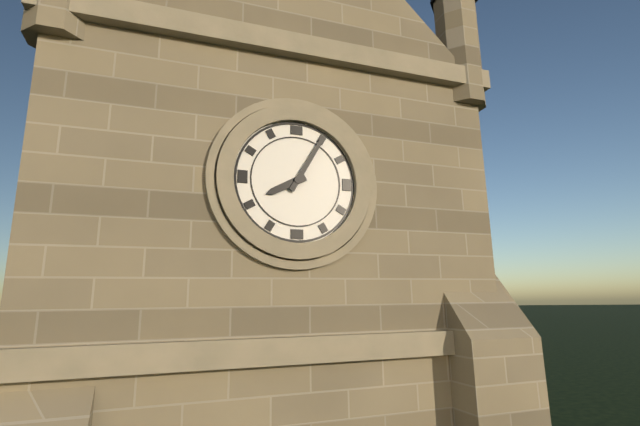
{"hour": 8, "minute": 5}
